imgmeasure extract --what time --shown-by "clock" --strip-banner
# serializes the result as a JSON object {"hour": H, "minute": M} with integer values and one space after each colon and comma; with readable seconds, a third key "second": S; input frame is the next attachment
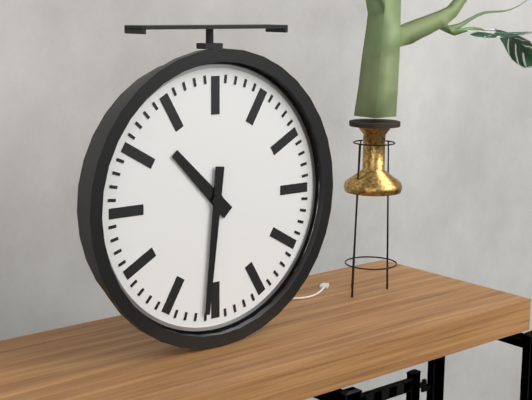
{"hour": 10, "minute": 31}
